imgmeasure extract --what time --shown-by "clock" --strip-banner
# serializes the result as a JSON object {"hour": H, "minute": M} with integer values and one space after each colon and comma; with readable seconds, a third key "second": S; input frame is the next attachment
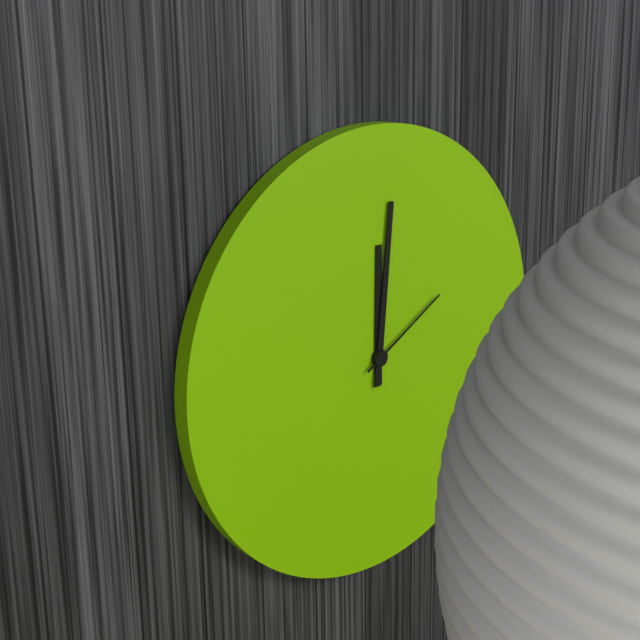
{"hour": 12, "minute": 1, "second": 10}
